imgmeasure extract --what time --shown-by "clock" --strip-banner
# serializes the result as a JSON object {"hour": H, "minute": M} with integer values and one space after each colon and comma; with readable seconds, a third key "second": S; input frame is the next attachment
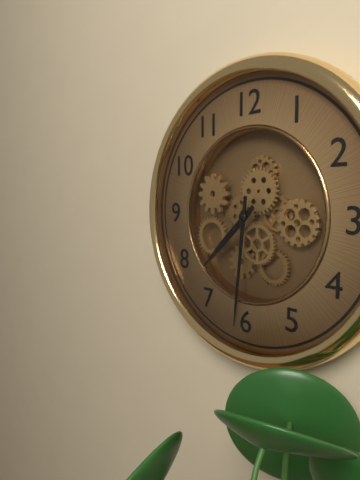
{"hour": 7, "minute": 31}
